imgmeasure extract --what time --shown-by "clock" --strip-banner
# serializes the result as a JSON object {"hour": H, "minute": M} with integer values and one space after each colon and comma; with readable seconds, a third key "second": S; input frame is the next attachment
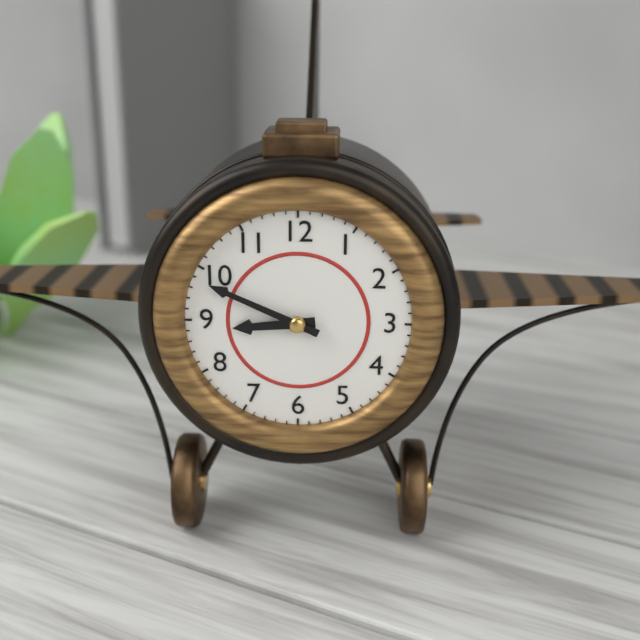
{"hour": 8, "minute": 49}
